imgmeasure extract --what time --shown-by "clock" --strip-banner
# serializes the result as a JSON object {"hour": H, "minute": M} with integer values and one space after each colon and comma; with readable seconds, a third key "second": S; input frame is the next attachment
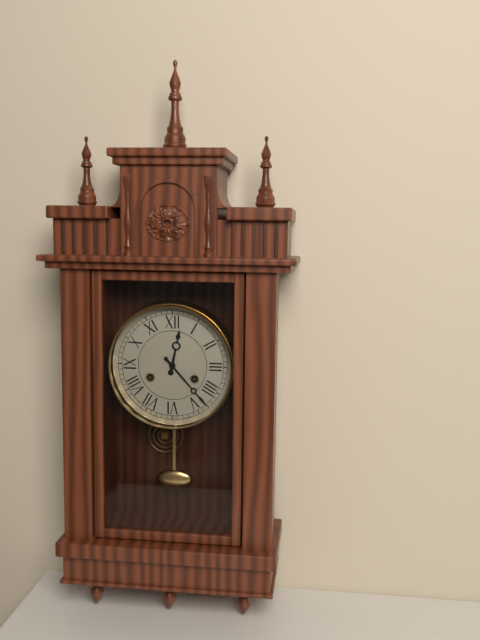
{"hour": 12, "minute": 23}
